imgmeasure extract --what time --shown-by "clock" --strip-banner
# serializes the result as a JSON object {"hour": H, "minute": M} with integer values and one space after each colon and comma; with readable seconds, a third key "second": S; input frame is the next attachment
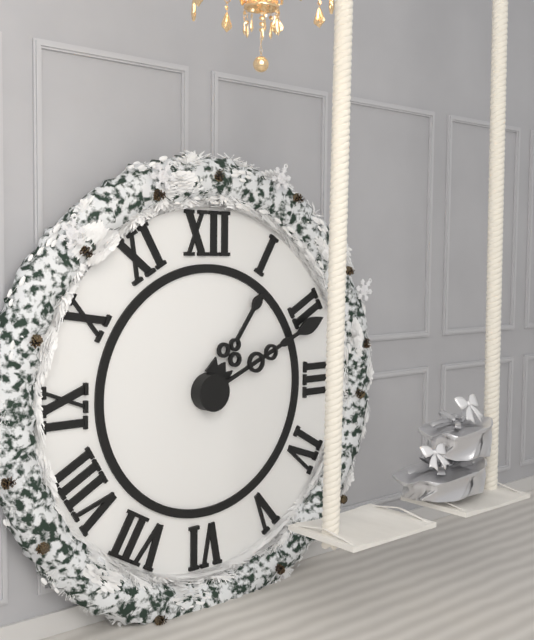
{"hour": 1, "minute": 11}
